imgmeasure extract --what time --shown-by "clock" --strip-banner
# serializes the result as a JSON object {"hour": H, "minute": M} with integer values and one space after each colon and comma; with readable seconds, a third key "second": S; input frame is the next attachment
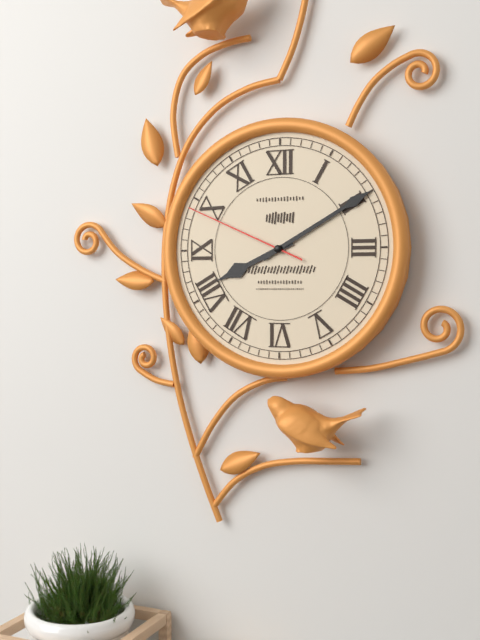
{"hour": 8, "minute": 10, "second": 49}
